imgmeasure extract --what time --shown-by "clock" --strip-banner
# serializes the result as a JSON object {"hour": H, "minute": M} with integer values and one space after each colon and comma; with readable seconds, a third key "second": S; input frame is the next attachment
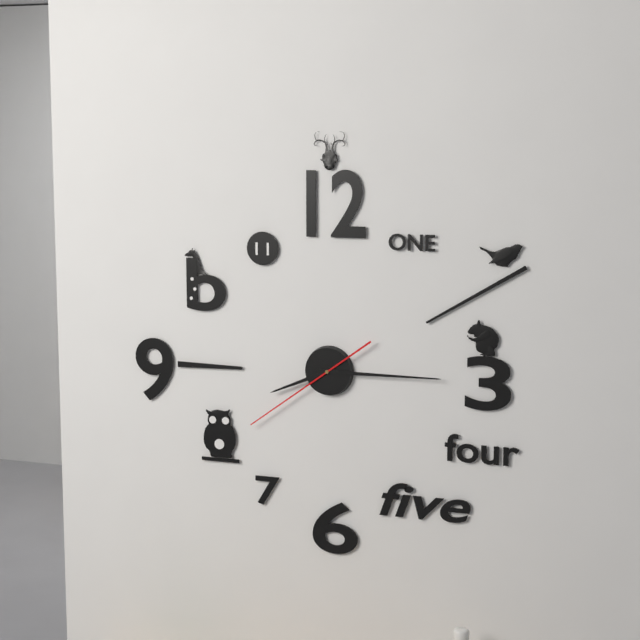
{"hour": 8, "minute": 15, "second": 39}
